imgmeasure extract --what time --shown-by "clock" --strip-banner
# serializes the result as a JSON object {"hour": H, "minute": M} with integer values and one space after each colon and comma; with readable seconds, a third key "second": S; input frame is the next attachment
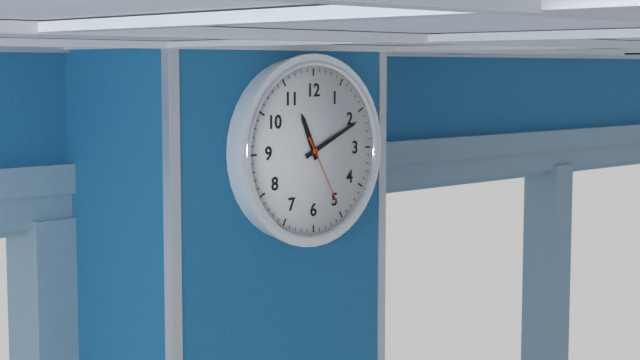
{"hour": 11, "minute": 11, "second": 25}
